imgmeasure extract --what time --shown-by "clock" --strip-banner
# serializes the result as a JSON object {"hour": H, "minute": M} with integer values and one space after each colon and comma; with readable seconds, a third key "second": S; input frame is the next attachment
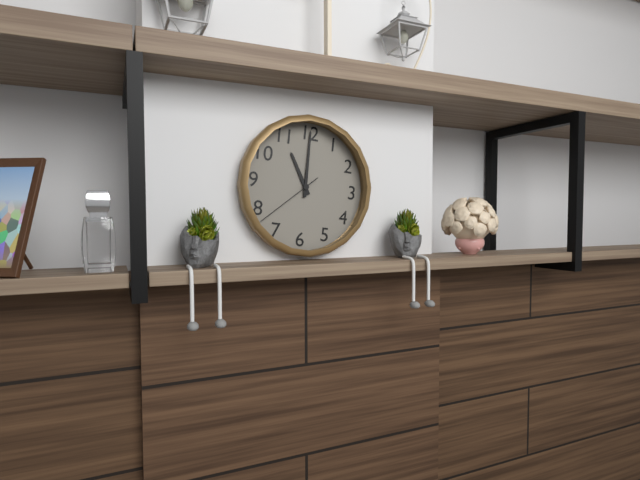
{"hour": 11, "minute": 0, "second": 38}
